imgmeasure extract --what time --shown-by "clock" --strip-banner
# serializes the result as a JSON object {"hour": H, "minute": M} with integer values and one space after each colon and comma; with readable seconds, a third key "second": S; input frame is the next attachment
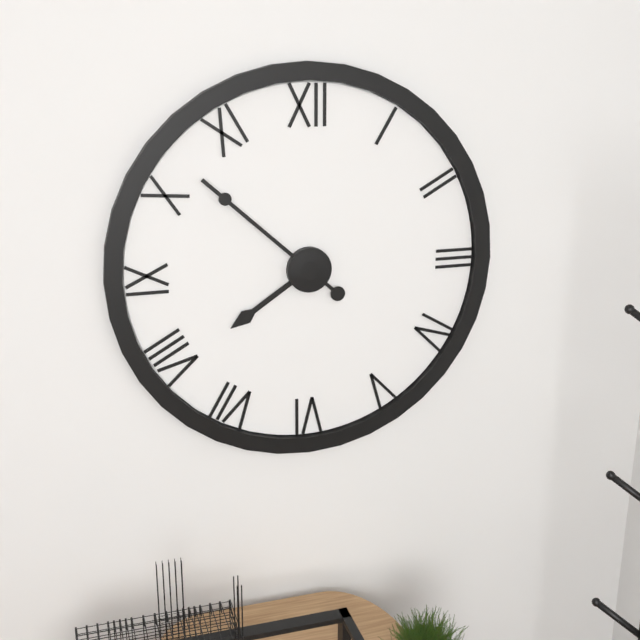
{"hour": 7, "minute": 52}
